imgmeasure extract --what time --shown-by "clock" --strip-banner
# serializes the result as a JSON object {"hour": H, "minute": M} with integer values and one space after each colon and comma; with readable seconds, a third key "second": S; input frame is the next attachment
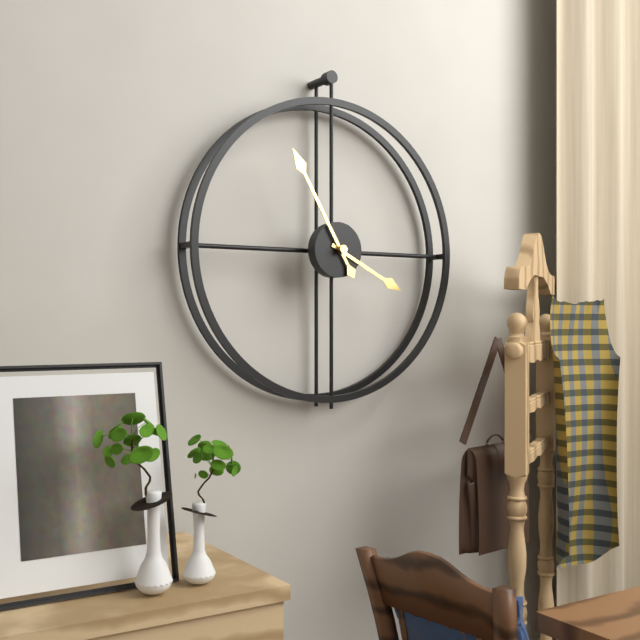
{"hour": 3, "minute": 55}
